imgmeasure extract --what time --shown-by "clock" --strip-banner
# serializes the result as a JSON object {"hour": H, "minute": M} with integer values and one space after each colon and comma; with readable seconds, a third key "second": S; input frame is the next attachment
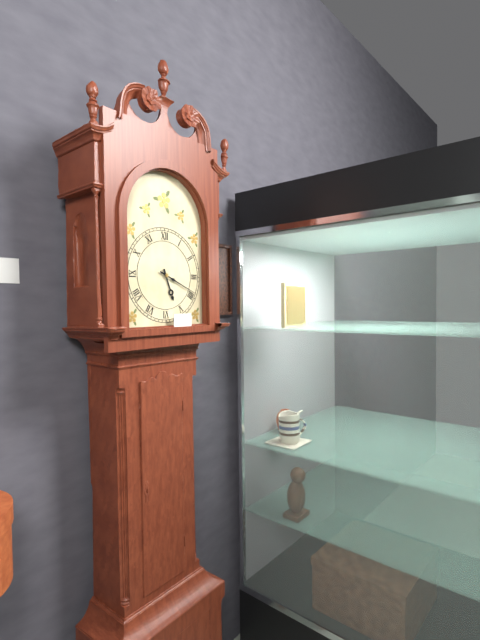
{"hour": 5, "minute": 19}
